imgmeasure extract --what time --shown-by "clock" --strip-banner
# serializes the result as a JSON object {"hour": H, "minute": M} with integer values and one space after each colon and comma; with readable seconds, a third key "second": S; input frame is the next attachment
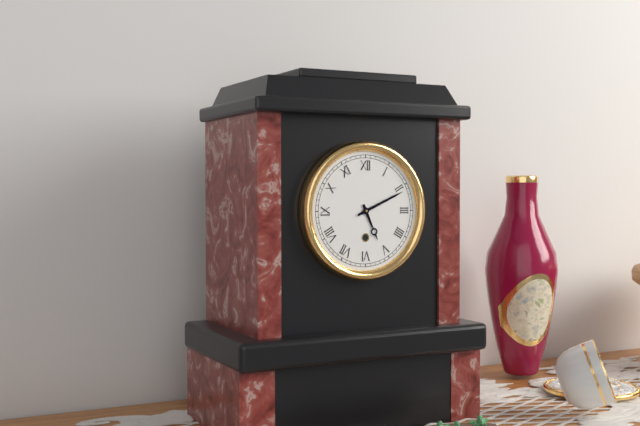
{"hour": 5, "minute": 11}
